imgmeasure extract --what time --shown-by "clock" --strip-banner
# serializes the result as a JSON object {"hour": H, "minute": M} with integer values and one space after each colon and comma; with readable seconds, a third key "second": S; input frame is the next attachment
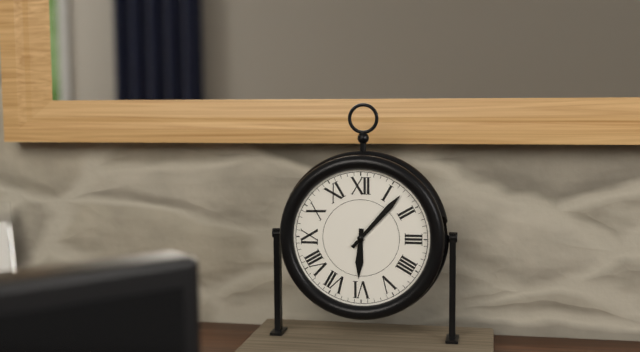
{"hour": 6, "minute": 7}
